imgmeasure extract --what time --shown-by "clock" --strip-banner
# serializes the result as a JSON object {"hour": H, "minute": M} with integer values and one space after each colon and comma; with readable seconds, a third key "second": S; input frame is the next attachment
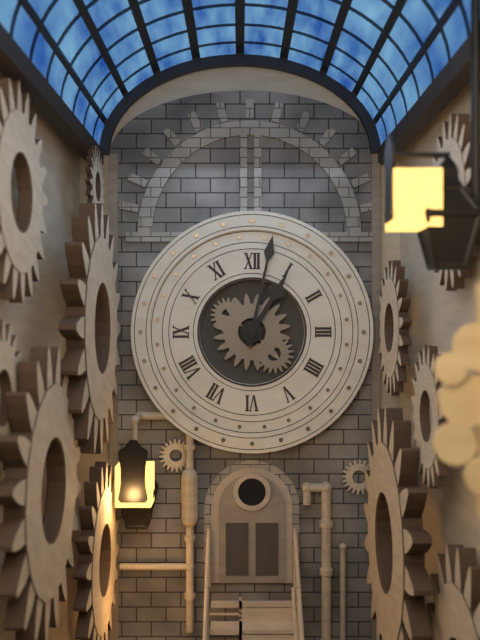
{"hour": 1, "minute": 2}
